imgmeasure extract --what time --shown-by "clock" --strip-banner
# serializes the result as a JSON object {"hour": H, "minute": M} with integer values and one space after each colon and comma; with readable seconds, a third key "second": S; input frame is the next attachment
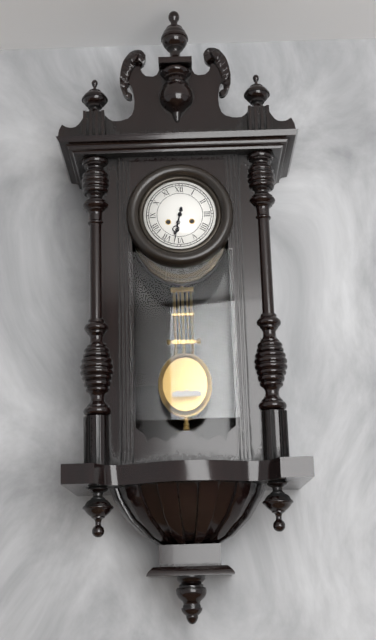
{"hour": 6, "minute": 32}
